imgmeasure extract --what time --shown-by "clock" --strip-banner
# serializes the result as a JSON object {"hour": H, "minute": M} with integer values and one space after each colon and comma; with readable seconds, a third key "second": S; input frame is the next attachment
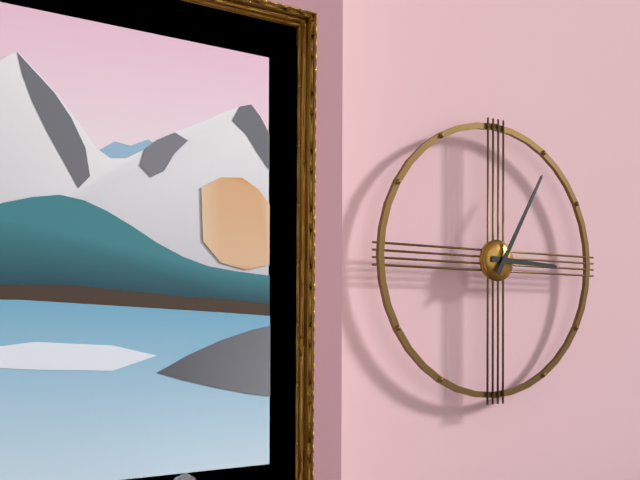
{"hour": 3, "minute": 5}
